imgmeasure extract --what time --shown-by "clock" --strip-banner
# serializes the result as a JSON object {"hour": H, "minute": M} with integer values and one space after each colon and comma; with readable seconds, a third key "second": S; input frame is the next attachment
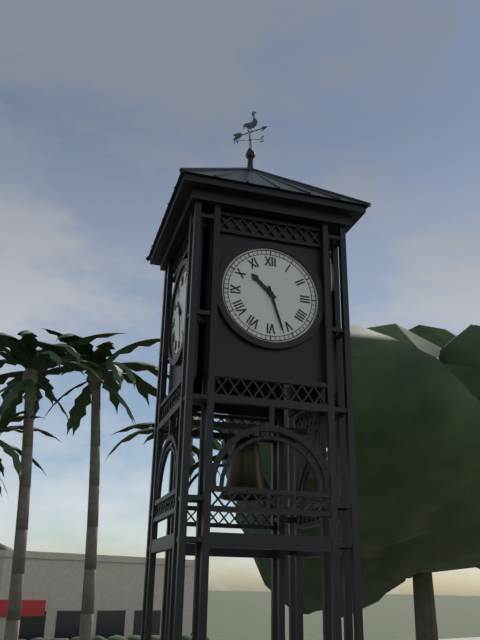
{"hour": 10, "minute": 27}
